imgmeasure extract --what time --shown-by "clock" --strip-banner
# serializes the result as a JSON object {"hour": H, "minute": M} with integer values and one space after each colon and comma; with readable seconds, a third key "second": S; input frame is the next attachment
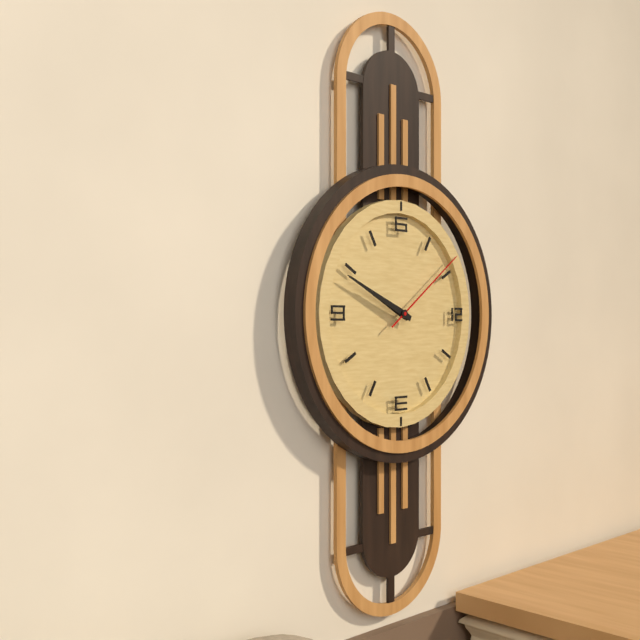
{"hour": 9, "minute": 49, "second": 9}
